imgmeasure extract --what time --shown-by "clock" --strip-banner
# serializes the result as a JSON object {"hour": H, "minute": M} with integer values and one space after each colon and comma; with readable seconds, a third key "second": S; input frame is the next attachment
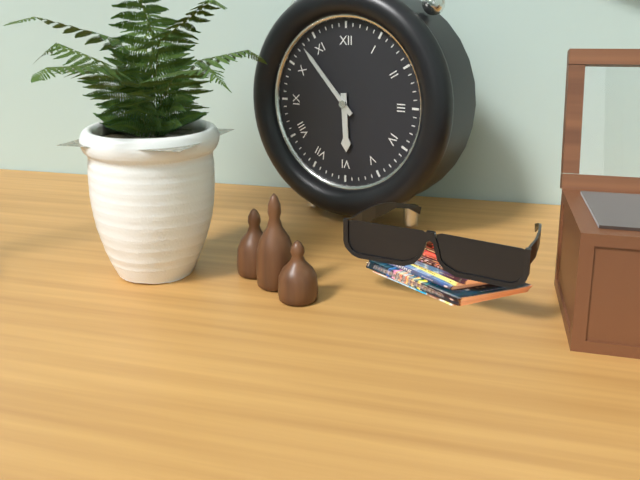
{"hour": 5, "minute": 53}
